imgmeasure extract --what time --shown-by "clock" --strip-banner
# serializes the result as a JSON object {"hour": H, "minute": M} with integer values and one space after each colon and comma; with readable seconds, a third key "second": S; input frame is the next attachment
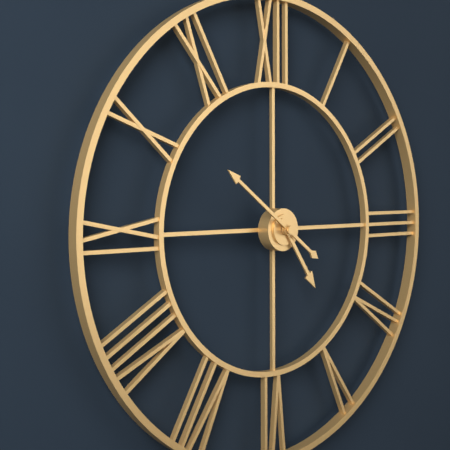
{"hour": 4, "minute": 51}
